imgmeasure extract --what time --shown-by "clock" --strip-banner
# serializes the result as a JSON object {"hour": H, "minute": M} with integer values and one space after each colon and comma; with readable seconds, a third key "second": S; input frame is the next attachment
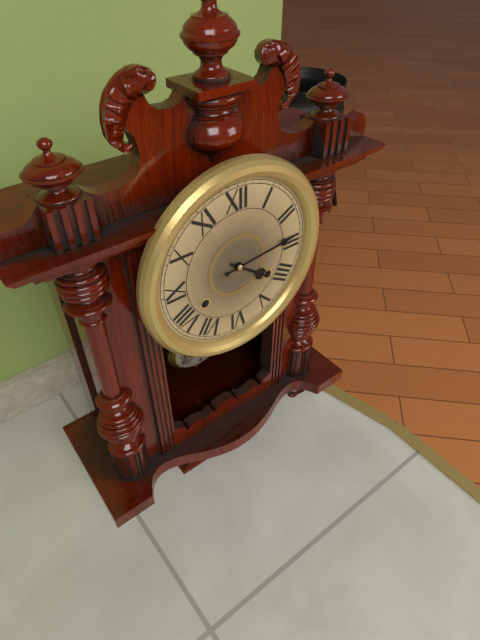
{"hour": 4, "minute": 14}
